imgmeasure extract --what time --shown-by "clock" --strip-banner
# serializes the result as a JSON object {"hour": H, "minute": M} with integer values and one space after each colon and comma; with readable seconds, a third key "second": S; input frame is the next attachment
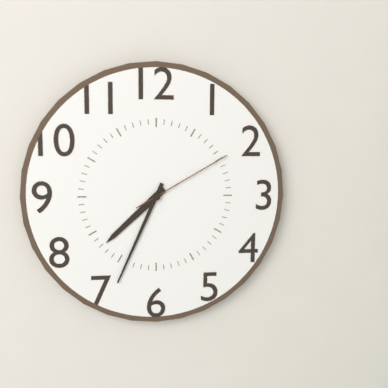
{"hour": 7, "minute": 34, "second": 10}
